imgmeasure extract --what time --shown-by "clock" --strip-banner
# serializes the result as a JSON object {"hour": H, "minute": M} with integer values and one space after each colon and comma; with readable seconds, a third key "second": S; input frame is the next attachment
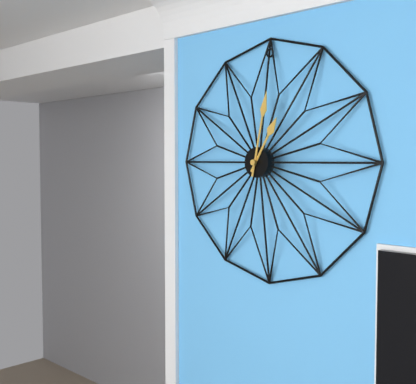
{"hour": 1, "minute": 2}
